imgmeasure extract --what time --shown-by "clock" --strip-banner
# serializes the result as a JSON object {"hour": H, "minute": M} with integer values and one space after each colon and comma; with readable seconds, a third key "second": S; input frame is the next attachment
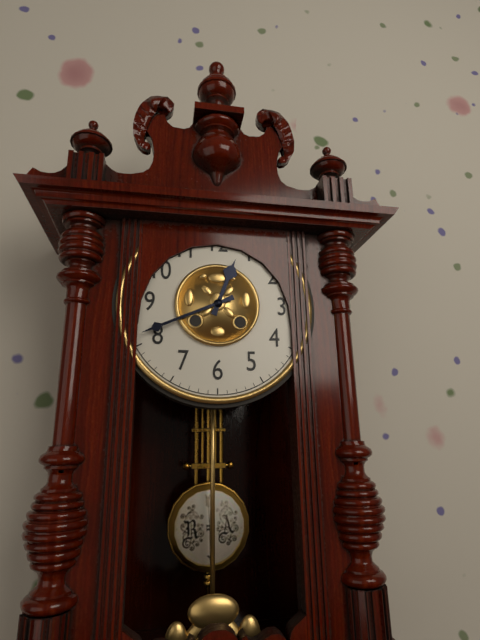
{"hour": 12, "minute": 41}
